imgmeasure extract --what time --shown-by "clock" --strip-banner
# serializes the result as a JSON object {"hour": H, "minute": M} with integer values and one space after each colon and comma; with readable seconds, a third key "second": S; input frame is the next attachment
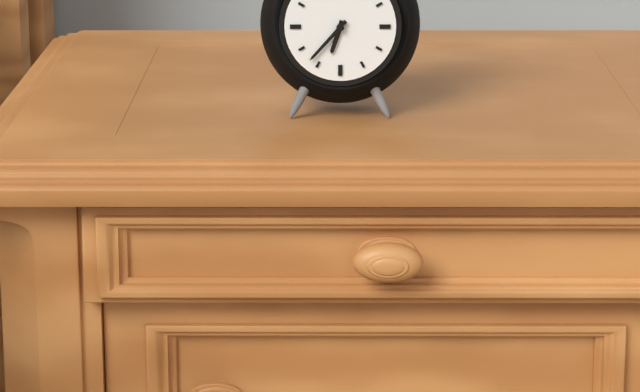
{"hour": 6, "minute": 37}
